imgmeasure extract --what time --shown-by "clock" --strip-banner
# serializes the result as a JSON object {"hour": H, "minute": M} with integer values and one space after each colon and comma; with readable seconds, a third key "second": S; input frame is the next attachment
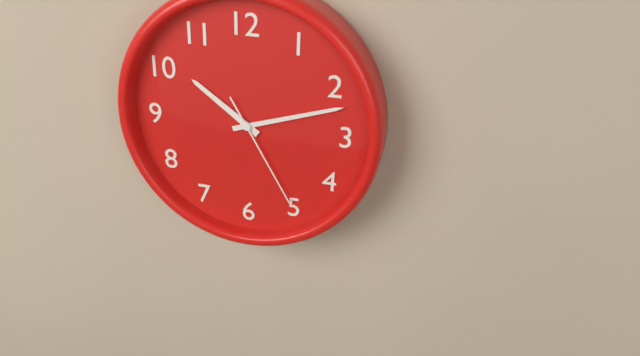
{"hour": 10, "minute": 12, "second": 25}
